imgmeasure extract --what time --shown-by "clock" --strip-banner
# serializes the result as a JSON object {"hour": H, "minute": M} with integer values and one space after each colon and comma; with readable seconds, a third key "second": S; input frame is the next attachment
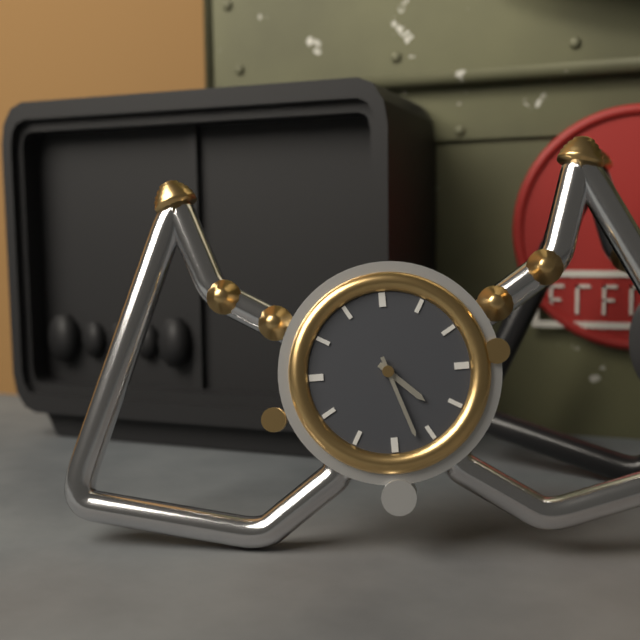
{"hour": 4, "minute": 27}
